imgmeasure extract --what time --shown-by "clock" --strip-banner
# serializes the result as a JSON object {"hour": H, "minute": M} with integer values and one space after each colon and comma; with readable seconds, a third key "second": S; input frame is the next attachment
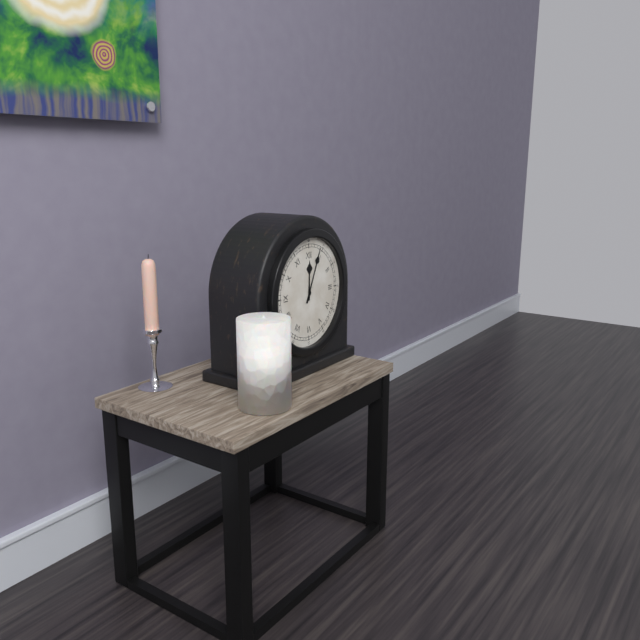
{"hour": 12, "minute": 4}
